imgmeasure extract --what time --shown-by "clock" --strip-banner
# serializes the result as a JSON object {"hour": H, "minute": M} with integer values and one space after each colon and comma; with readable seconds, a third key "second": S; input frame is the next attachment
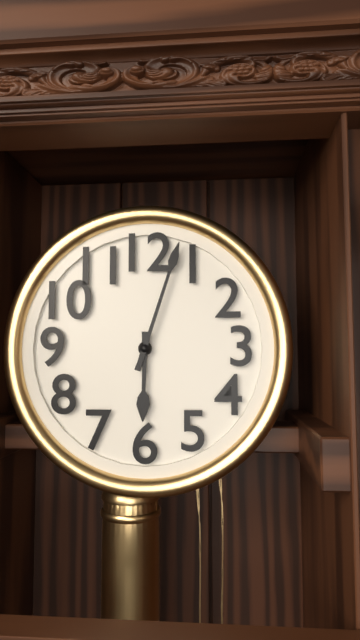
{"hour": 6, "minute": 3}
